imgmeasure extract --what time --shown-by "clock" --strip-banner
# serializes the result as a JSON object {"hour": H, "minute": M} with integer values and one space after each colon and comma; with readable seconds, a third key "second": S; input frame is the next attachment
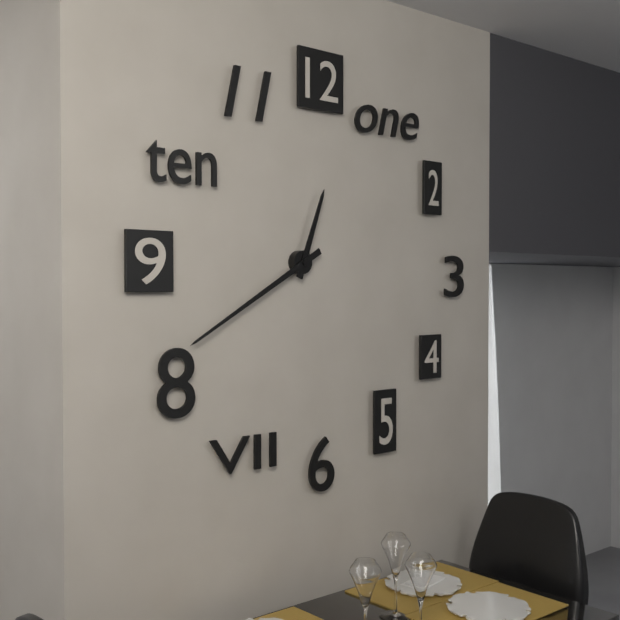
{"hour": 12, "minute": 40}
